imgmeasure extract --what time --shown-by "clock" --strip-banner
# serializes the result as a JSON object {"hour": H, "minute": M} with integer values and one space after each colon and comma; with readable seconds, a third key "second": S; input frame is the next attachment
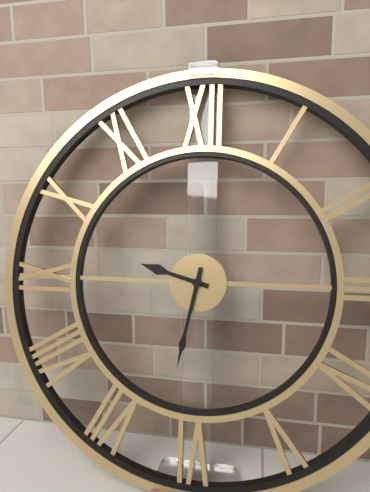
{"hour": 9, "minute": 32}
